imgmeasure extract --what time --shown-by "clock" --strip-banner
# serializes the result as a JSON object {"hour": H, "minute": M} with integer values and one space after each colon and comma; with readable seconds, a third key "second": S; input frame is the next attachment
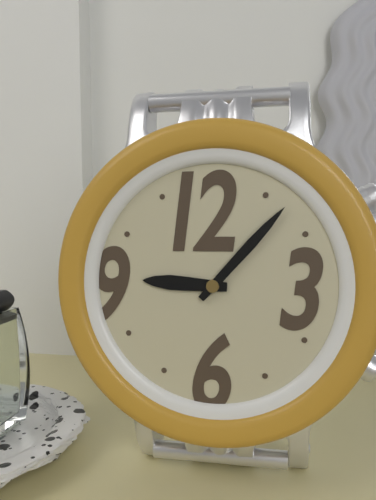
{"hour": 9, "minute": 7}
